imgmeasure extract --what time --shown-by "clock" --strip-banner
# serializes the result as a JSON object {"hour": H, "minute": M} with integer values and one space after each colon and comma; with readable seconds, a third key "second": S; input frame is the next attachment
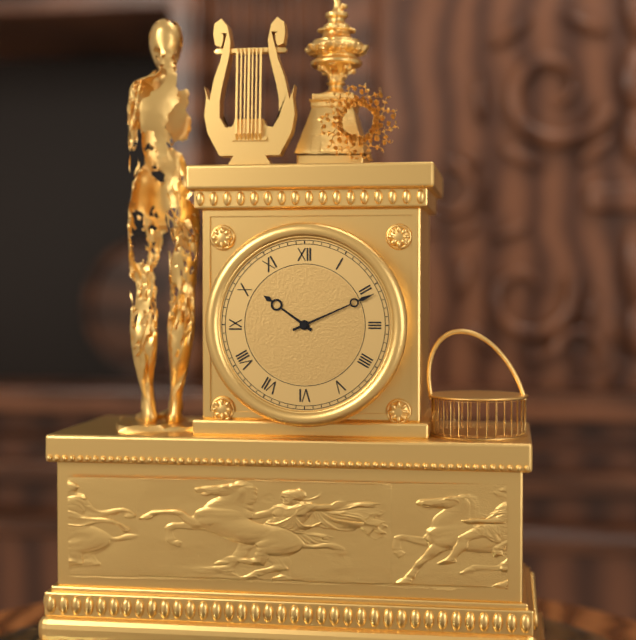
{"hour": 10, "minute": 11}
